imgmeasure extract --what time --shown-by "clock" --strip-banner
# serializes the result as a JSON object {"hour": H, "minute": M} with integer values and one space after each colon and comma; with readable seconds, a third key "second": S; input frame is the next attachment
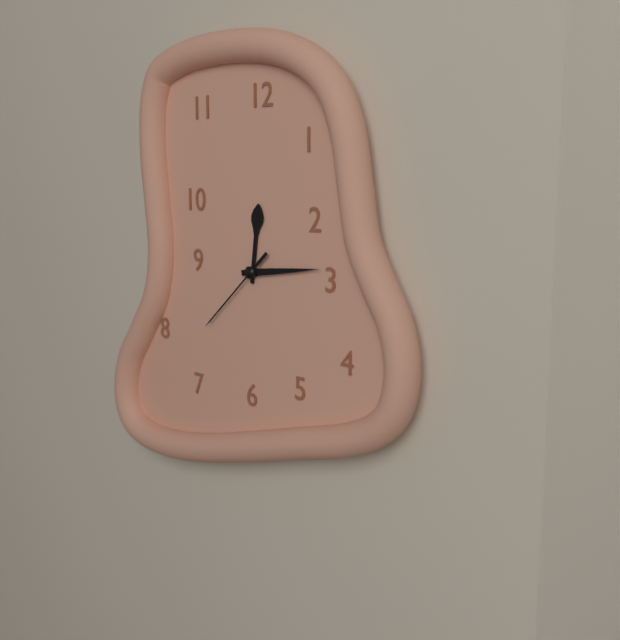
{"hour": 12, "minute": 14, "second": 38}
